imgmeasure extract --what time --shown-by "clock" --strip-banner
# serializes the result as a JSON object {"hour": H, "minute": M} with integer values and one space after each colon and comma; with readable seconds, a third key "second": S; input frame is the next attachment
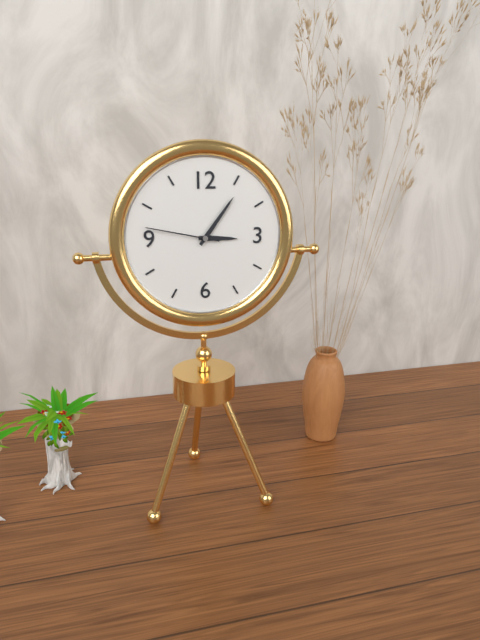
{"hour": 3, "minute": 6, "second": 47}
